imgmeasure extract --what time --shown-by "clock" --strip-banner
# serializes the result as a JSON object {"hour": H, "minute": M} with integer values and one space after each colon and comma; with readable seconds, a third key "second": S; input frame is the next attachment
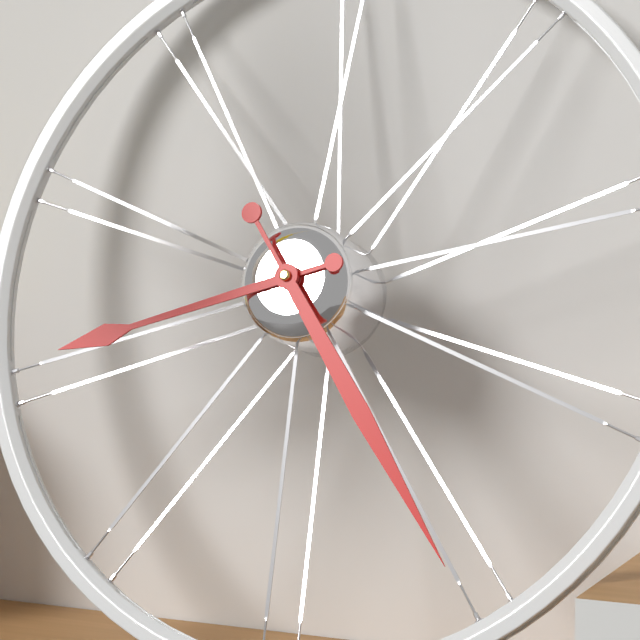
{"hour": 8, "minute": 24}
